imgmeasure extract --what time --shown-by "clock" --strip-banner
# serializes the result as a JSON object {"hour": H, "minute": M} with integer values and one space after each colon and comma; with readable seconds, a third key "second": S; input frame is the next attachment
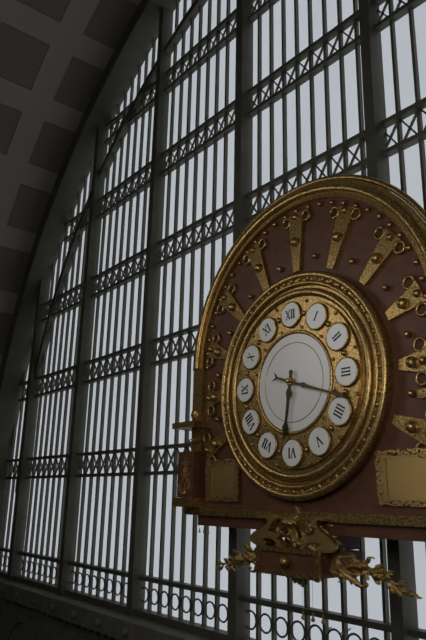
{"hour": 6, "minute": 18}
